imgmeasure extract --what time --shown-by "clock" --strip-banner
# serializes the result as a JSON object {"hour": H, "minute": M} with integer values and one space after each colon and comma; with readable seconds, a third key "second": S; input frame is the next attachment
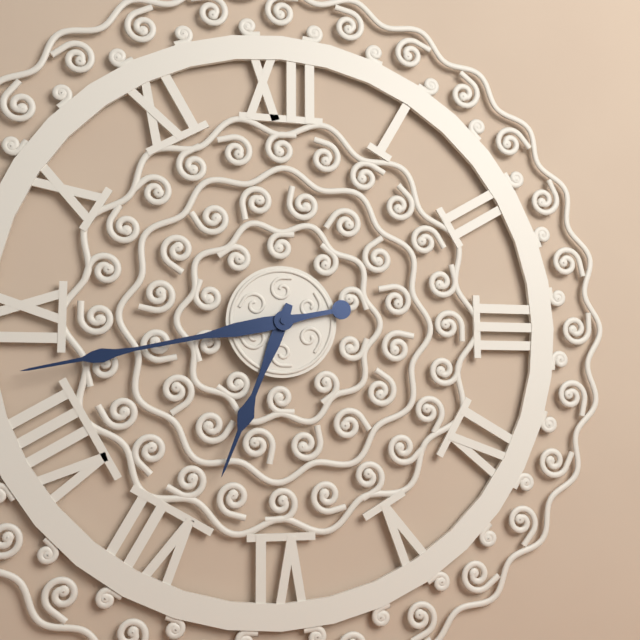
{"hour": 6, "minute": 43}
